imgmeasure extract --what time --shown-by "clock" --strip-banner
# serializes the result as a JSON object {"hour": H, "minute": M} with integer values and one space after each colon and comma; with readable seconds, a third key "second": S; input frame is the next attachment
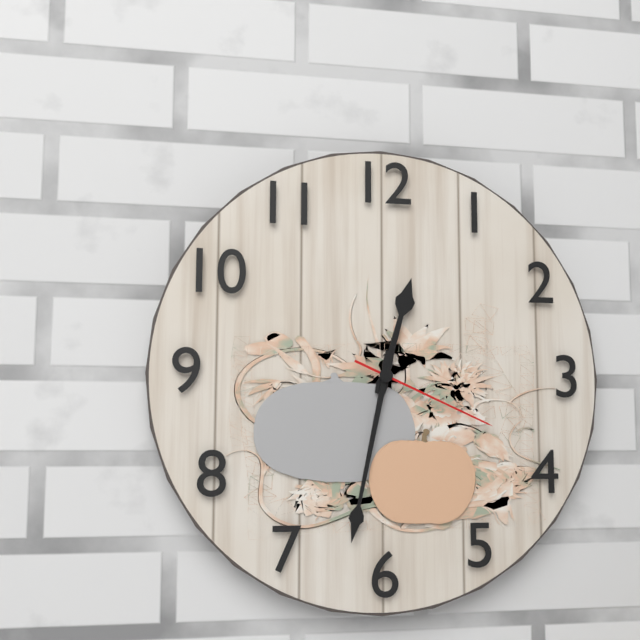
{"hour": 12, "minute": 32, "second": 19}
